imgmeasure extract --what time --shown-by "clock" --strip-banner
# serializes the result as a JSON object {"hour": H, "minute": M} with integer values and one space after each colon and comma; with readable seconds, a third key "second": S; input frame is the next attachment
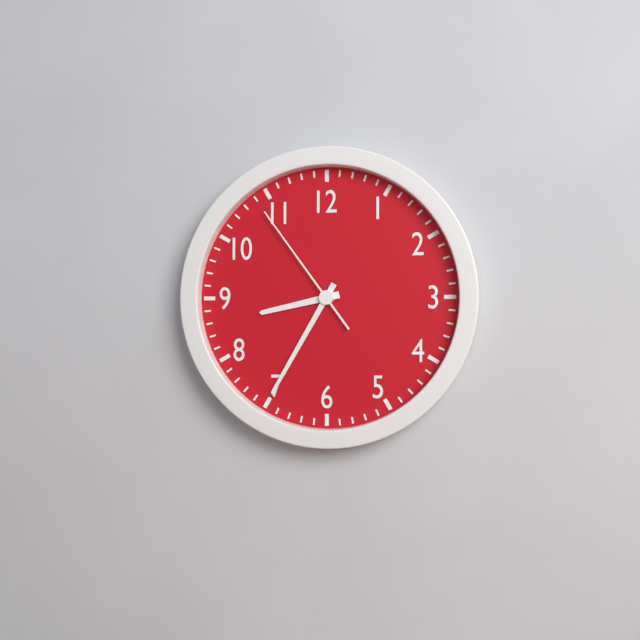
{"hour": 8, "minute": 35, "second": 54}
